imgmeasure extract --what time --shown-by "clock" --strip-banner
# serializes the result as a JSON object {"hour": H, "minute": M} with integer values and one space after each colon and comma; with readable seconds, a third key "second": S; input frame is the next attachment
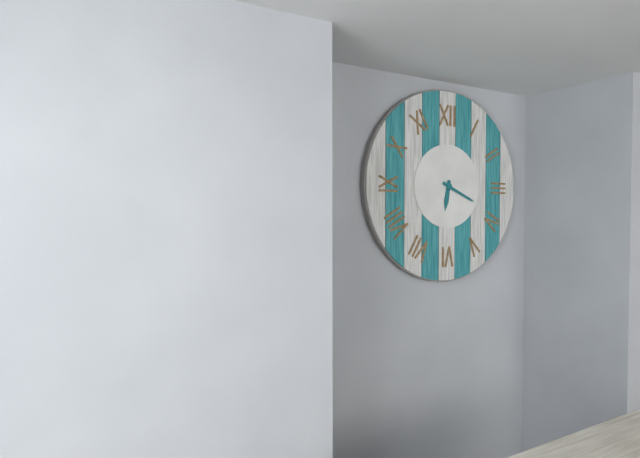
{"hour": 6, "minute": 19}
